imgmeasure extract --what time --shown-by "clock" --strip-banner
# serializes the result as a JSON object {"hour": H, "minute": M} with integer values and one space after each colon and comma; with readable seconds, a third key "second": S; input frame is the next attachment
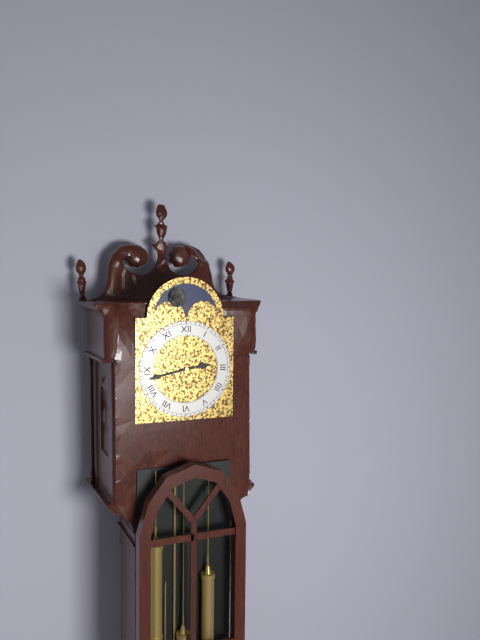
{"hour": 2, "minute": 43}
